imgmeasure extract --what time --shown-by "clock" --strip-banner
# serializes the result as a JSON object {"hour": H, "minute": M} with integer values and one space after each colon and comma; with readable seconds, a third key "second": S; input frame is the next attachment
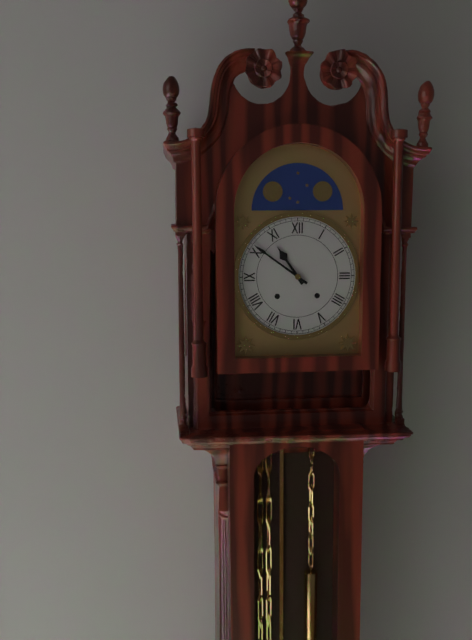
{"hour": 10, "minute": 51}
